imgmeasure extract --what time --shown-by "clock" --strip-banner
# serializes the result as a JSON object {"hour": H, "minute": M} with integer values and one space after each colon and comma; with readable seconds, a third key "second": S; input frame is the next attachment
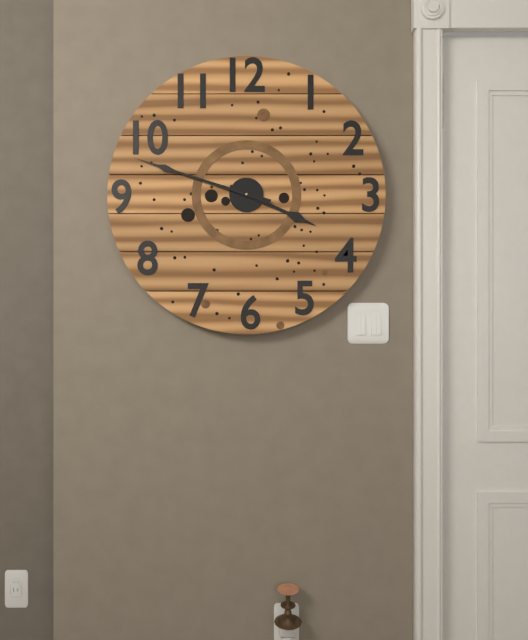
{"hour": 3, "minute": 48}
